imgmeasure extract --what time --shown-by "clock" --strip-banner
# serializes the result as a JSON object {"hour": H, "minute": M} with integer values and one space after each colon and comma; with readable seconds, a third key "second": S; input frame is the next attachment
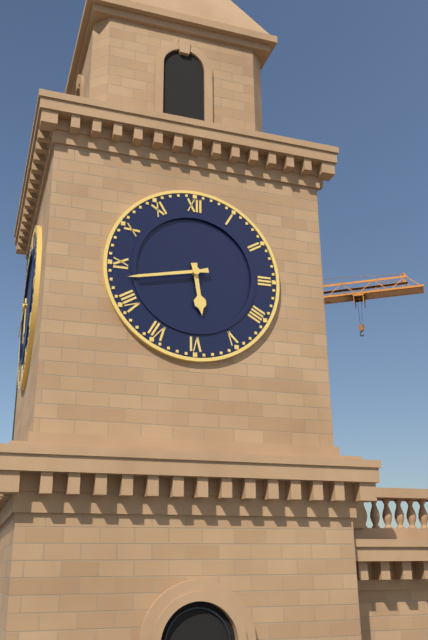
{"hour": 5, "minute": 43}
